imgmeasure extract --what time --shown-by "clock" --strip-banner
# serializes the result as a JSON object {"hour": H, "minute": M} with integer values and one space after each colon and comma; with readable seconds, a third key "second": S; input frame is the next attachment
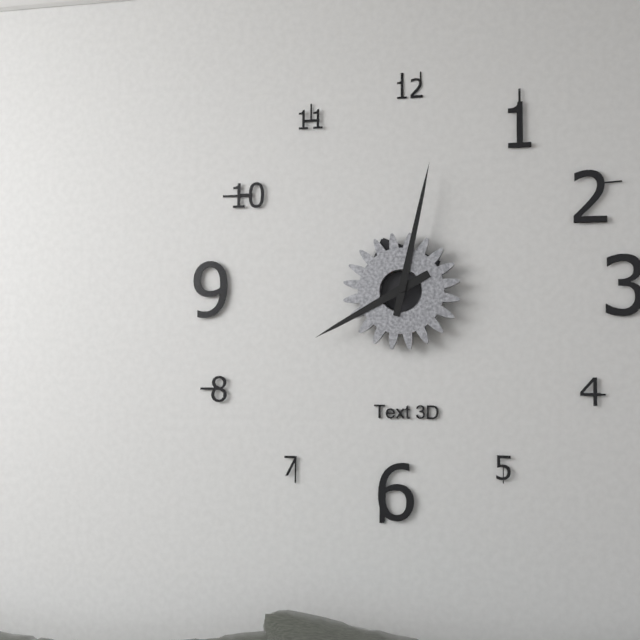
{"hour": 8, "minute": 2}
